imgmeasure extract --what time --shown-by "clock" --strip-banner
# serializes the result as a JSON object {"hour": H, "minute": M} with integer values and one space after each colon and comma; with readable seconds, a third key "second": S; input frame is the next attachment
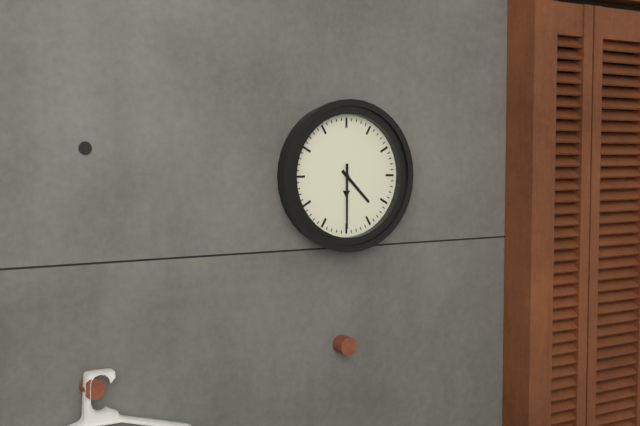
{"hour": 4, "minute": 30}
